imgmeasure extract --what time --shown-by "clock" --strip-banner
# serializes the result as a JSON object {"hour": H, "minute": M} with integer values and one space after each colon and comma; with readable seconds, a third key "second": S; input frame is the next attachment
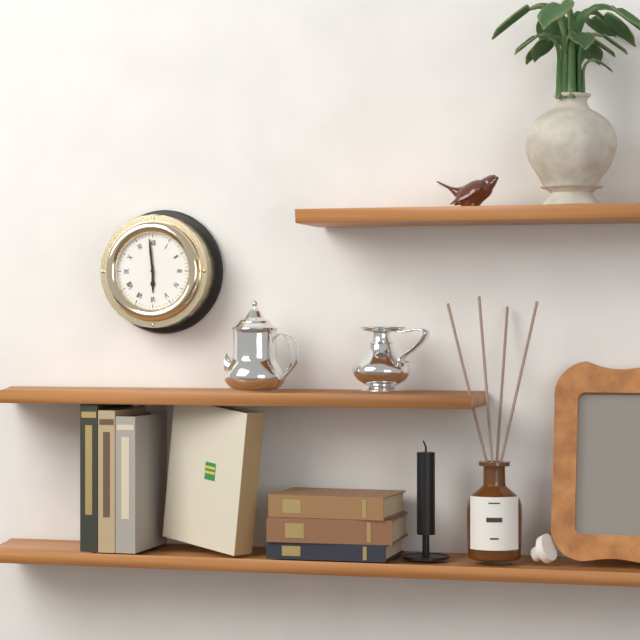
{"hour": 5, "minute": 59}
